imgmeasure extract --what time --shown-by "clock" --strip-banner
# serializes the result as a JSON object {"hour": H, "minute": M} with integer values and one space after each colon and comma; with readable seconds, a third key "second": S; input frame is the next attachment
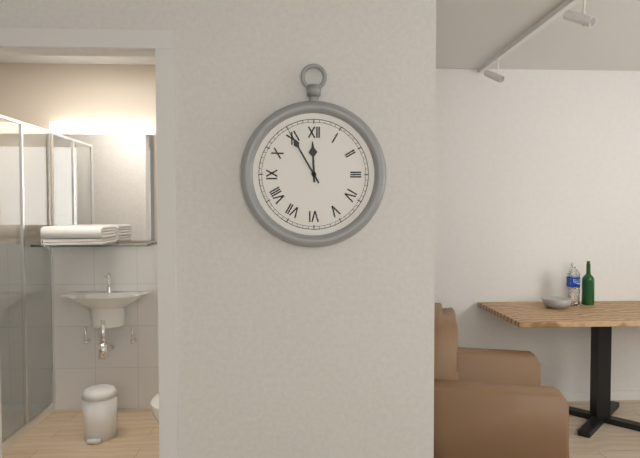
{"hour": 11, "minute": 55}
